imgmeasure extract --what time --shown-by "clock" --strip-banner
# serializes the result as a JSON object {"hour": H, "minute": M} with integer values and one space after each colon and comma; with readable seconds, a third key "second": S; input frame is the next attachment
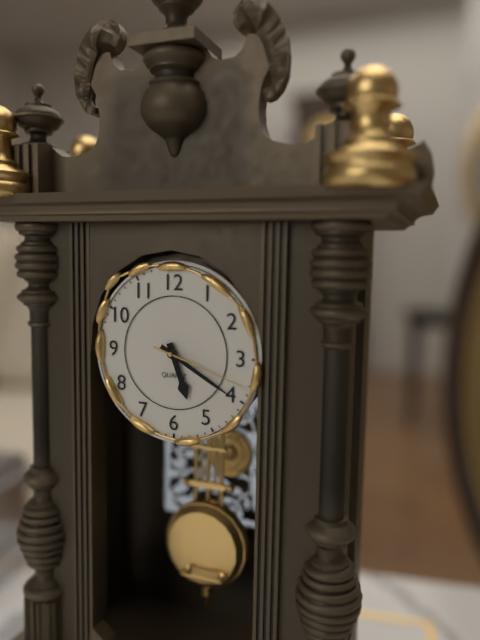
{"hour": 5, "minute": 20, "second": 18}
